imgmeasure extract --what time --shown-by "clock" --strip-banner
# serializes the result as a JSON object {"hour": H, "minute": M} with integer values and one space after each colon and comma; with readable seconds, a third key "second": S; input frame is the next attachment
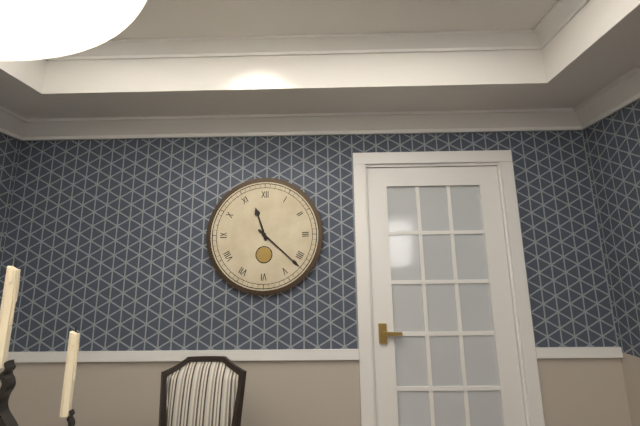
{"hour": 11, "minute": 22}
